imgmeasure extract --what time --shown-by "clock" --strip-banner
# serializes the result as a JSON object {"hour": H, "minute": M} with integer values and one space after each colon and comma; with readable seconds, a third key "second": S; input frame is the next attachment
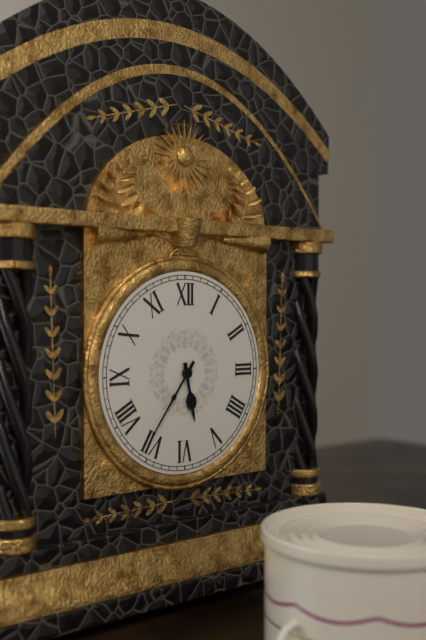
{"hour": 5, "minute": 36}
